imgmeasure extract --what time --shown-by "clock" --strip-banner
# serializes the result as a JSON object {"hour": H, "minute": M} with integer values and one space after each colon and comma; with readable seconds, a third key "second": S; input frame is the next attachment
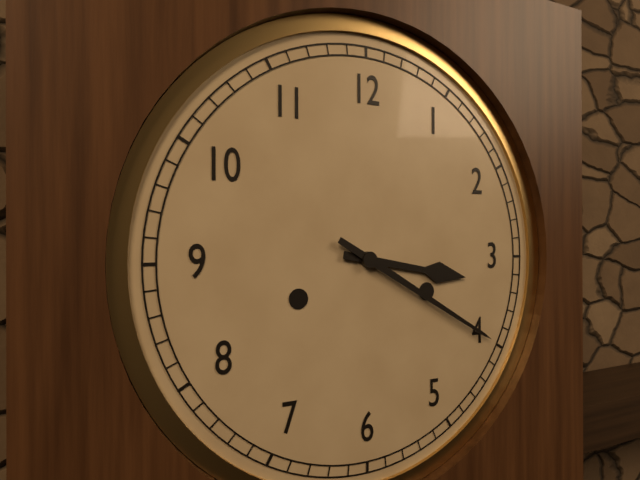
{"hour": 3, "minute": 20}
